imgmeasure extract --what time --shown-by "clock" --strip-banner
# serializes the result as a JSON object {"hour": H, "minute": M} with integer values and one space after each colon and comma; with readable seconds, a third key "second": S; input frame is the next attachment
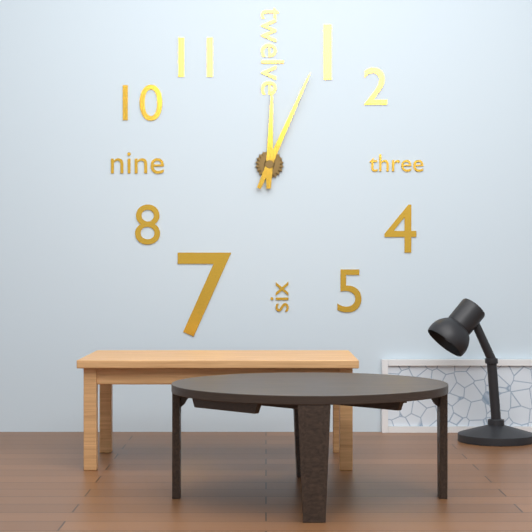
{"hour": 12, "minute": 4}
